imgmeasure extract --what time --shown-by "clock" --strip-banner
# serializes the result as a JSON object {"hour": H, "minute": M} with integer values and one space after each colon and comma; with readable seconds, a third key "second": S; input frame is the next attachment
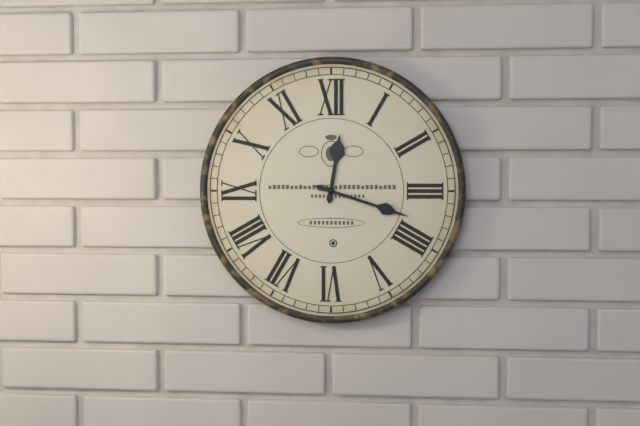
{"hour": 12, "minute": 18}
